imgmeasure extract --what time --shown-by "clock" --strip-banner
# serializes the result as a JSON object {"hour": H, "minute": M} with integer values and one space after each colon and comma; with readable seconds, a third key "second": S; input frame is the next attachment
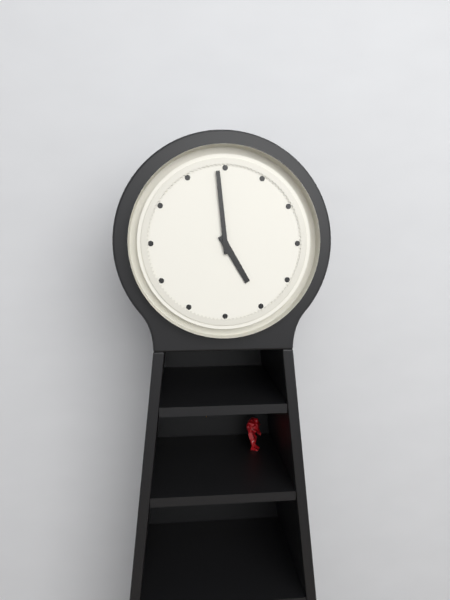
{"hour": 4, "minute": 59}
